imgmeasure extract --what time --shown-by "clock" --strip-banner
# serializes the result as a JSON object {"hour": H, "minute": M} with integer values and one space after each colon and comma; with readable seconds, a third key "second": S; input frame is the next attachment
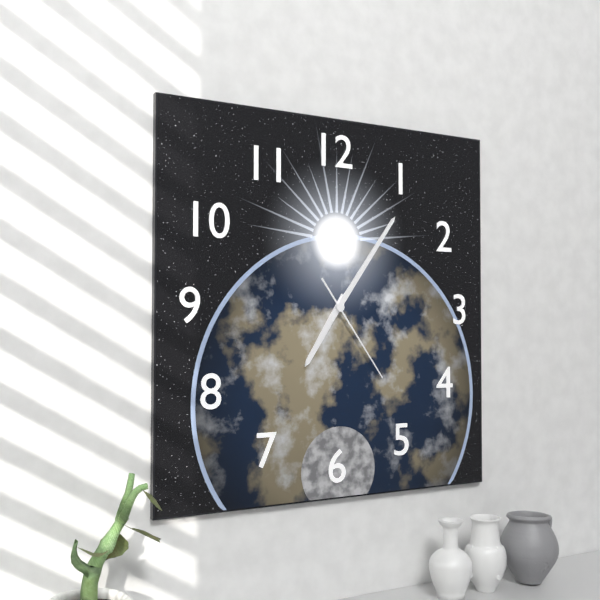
{"hour": 7, "minute": 6, "second": 24}
